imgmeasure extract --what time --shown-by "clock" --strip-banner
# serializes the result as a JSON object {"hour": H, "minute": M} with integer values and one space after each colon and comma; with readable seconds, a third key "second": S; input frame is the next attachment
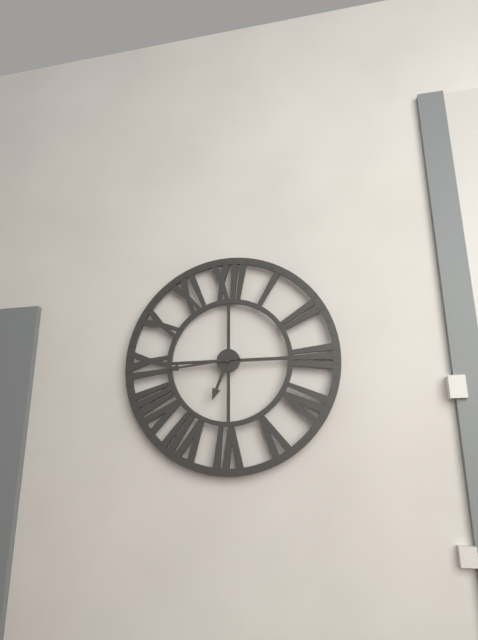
{"hour": 6, "minute": 44}
